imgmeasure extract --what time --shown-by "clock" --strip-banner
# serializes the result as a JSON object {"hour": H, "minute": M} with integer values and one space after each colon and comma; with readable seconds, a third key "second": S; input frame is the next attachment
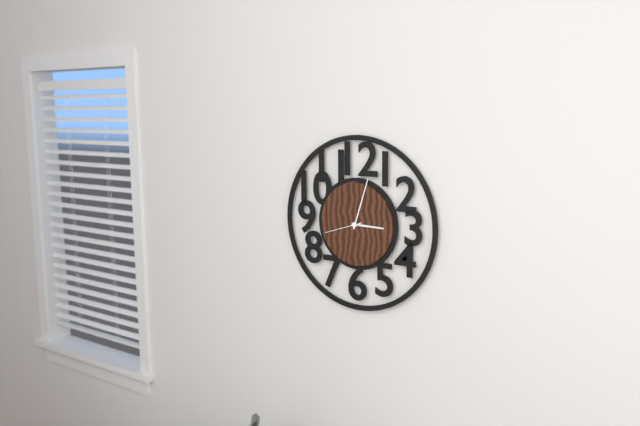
{"hour": 3, "minute": 3}
